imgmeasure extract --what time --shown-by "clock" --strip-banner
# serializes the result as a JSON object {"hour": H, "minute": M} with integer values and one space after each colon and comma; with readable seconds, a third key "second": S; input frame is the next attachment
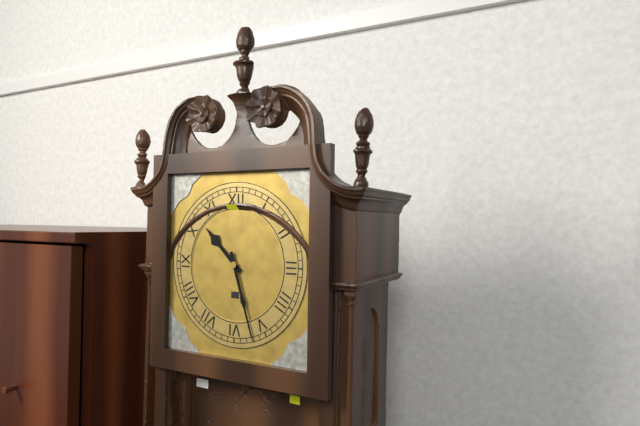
{"hour": 10, "minute": 27}
